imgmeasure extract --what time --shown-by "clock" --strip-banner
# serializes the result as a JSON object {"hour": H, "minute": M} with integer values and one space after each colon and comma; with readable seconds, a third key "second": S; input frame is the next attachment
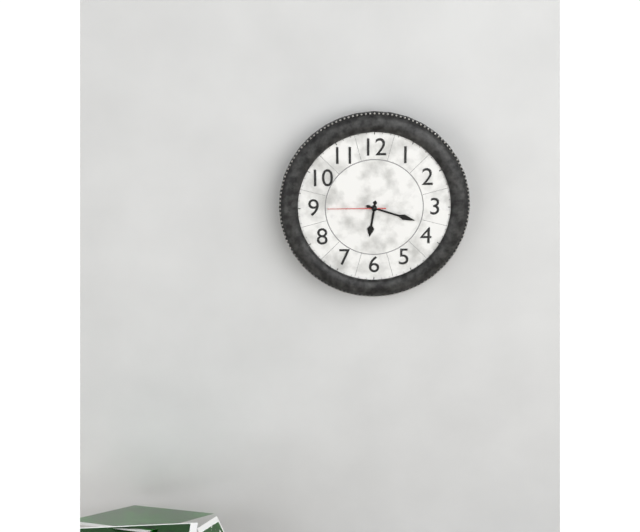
{"hour": 6, "minute": 18, "second": 45}
